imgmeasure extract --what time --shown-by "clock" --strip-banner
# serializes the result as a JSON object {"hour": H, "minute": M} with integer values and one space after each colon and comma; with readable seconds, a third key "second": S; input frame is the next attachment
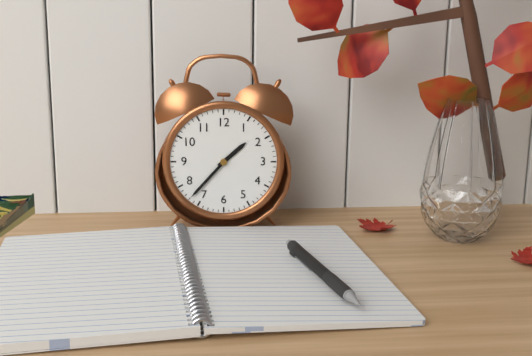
{"hour": 1, "minute": 37}
